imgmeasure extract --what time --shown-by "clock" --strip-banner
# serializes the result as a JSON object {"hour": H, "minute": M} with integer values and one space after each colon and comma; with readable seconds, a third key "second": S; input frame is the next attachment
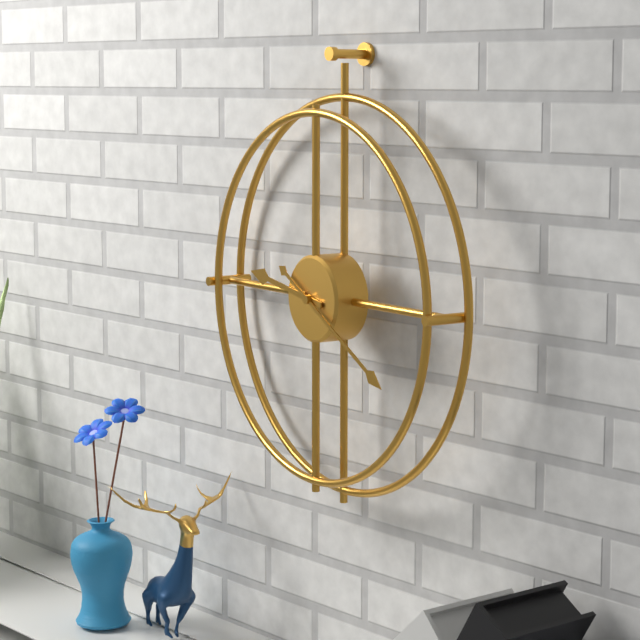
{"hour": 9, "minute": 20}
